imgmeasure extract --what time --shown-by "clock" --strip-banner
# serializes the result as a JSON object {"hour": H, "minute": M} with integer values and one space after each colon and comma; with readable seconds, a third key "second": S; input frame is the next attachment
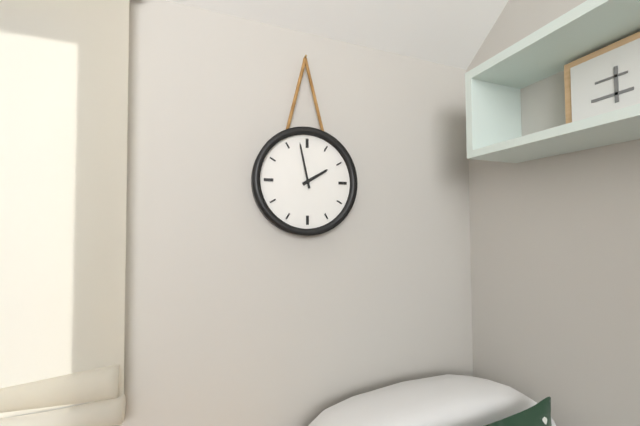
{"hour": 1, "minute": 58}
